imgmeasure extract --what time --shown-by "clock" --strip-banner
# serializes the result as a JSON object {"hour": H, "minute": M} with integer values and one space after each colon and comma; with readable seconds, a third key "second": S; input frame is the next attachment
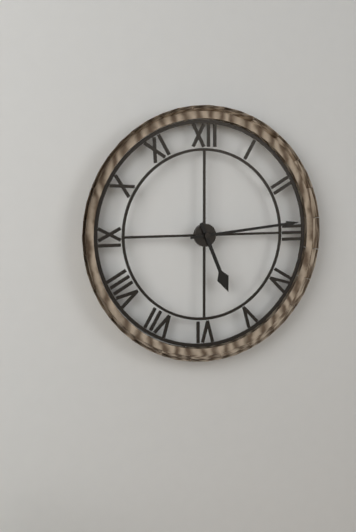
{"hour": 5, "minute": 14}
